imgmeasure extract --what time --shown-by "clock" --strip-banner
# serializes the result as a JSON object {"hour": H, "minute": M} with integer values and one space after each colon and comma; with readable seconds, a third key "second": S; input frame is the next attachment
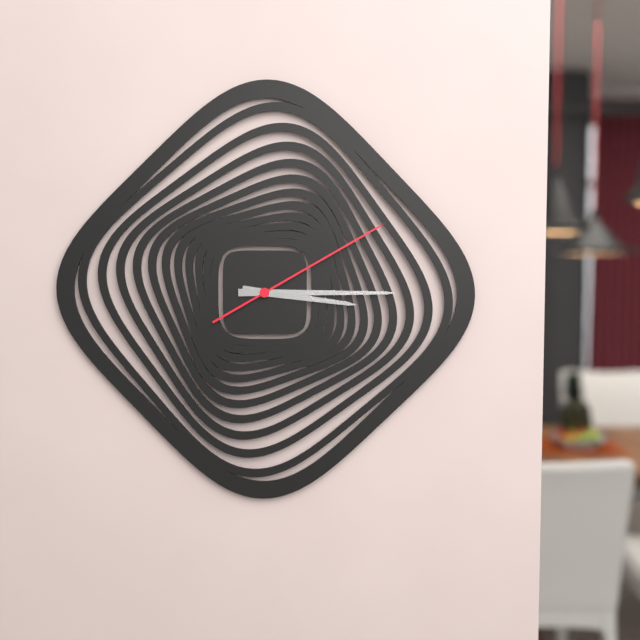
{"hour": 3, "minute": 15, "second": 10}
